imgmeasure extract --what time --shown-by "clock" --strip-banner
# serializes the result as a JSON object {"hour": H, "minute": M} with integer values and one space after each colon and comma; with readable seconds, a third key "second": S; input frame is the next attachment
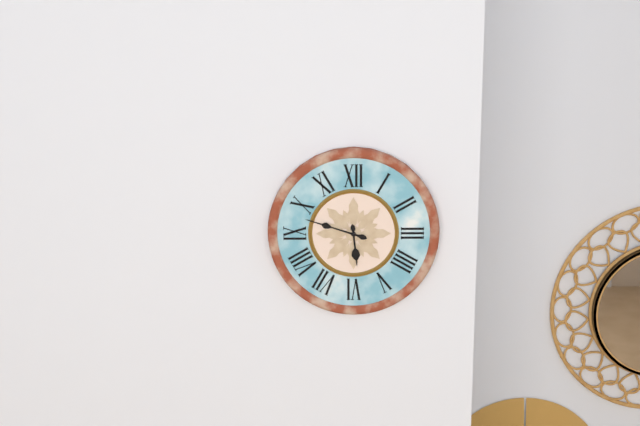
{"hour": 5, "minute": 48}
